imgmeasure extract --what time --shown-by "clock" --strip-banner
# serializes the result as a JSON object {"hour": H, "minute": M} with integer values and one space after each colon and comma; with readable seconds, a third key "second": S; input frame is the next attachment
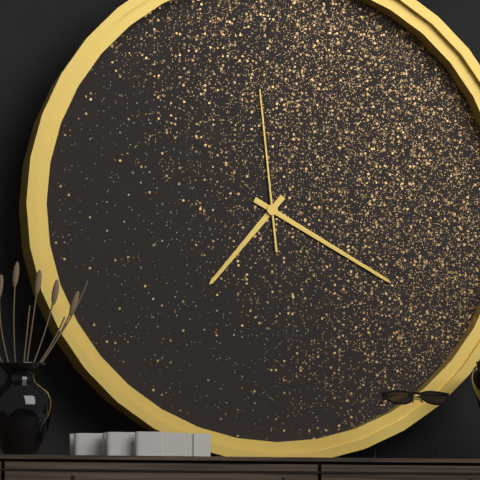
{"hour": 7, "minute": 20, "second": 59}
